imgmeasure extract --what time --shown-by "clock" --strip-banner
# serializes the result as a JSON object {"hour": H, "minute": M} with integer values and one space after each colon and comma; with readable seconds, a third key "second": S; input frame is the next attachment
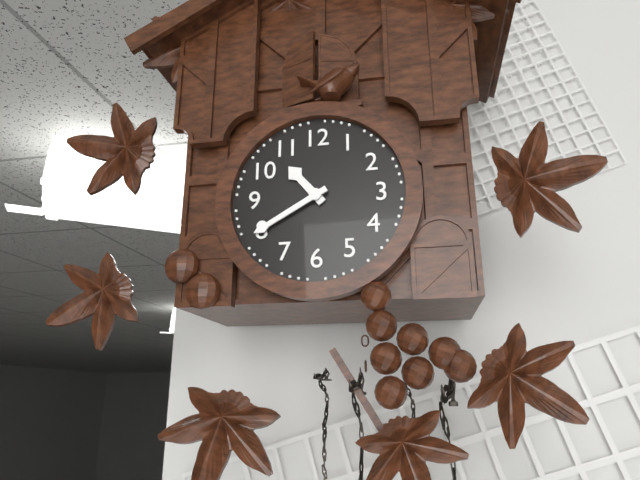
{"hour": 10, "minute": 40}
